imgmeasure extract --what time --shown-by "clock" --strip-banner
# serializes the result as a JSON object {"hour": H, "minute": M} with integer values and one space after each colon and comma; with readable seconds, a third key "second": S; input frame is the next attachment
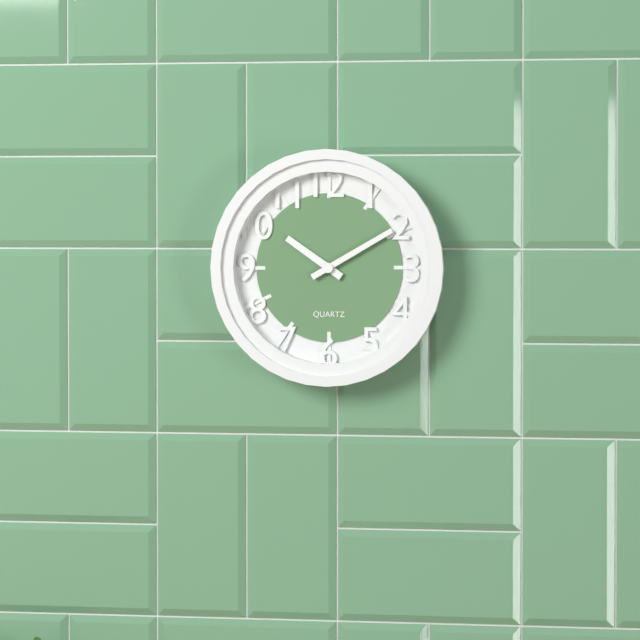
{"hour": 10, "minute": 10}
